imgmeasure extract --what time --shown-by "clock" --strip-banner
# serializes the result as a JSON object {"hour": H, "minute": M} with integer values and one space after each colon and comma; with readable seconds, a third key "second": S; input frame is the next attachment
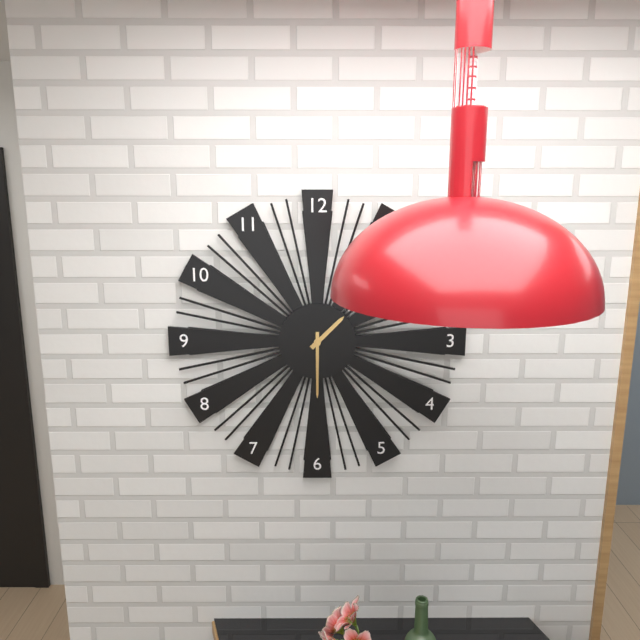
{"hour": 1, "minute": 30}
